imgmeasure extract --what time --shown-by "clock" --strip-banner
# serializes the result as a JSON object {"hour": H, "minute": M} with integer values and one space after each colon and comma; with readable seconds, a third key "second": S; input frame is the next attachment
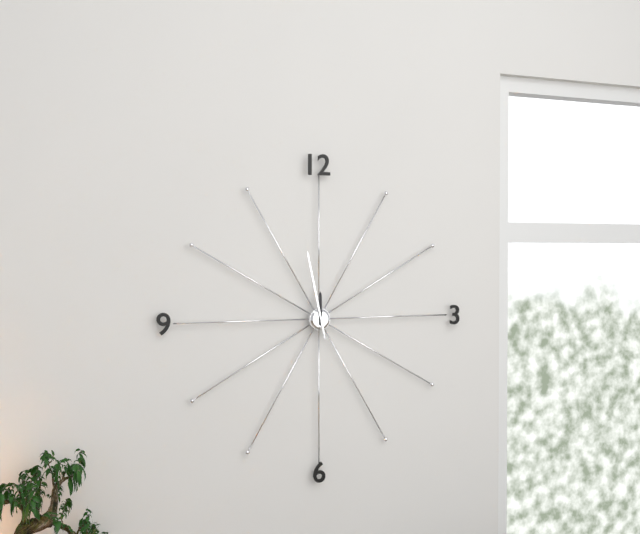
{"hour": 11, "minute": 58}
